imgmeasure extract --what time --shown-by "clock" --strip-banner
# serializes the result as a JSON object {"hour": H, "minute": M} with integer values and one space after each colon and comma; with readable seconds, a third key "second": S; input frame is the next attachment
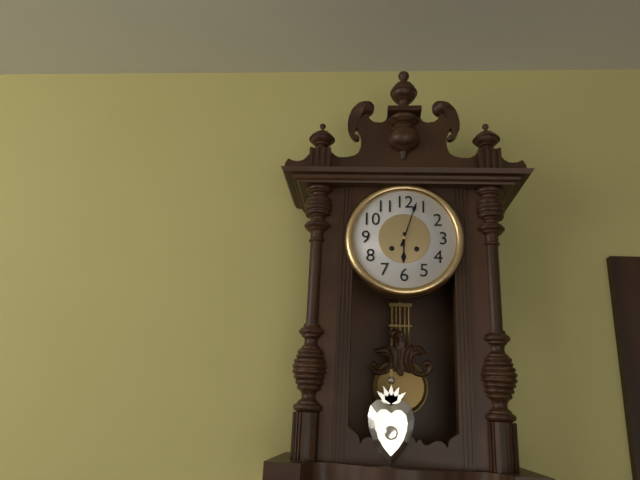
{"hour": 6, "minute": 3}
